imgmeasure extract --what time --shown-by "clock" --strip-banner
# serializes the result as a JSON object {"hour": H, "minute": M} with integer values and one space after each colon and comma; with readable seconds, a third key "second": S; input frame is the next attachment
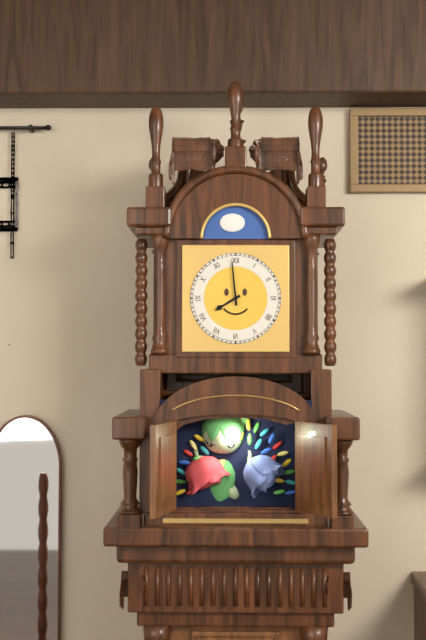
{"hour": 7, "minute": 59}
